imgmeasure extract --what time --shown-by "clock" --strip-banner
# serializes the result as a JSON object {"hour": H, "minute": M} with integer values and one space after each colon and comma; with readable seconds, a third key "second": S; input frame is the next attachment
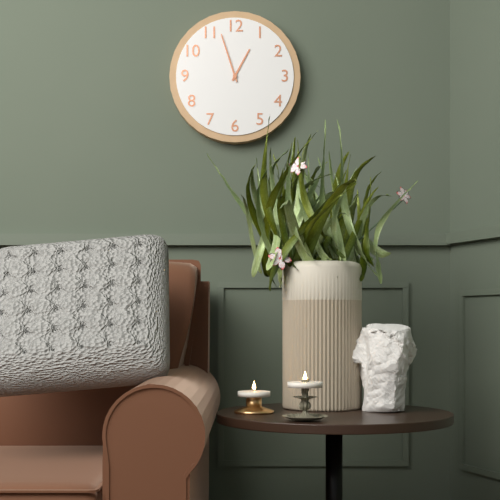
{"hour": 12, "minute": 57}
